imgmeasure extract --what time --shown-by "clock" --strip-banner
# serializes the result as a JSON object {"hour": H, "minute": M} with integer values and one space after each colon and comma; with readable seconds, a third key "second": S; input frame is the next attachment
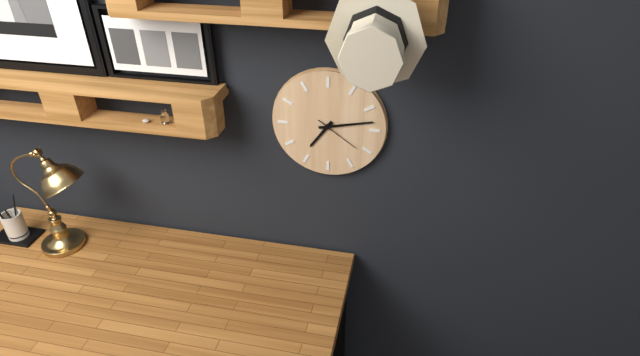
{"hour": 7, "minute": 13}
